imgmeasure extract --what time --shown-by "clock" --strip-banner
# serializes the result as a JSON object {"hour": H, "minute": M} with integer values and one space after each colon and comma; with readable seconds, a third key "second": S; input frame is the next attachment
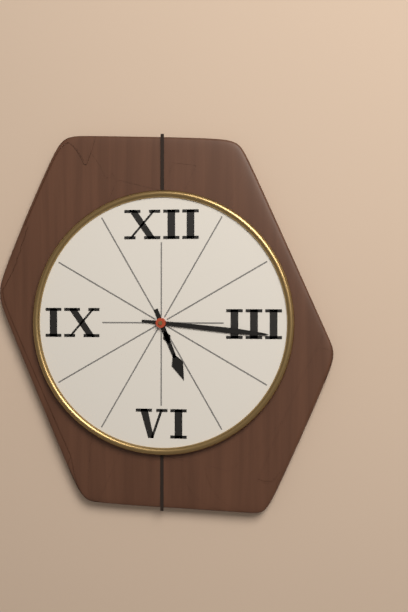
{"hour": 5, "minute": 16}
